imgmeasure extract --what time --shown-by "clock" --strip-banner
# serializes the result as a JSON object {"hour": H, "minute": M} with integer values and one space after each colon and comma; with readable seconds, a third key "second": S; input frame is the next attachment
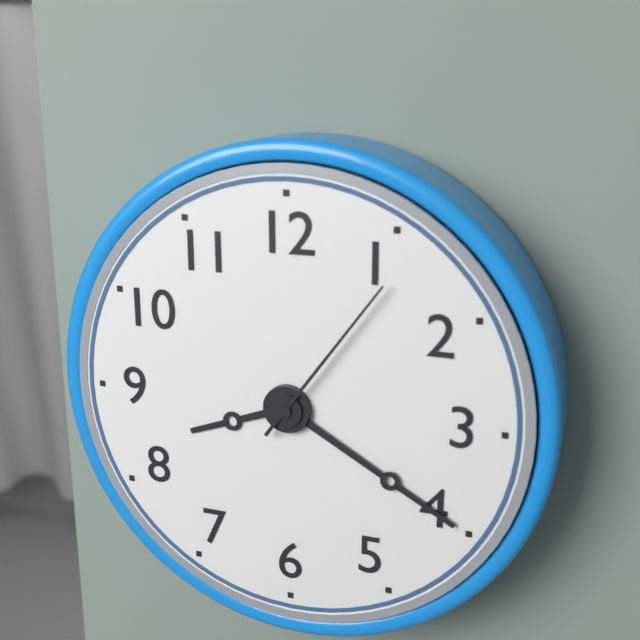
{"hour": 8, "minute": 20, "second": 6}
